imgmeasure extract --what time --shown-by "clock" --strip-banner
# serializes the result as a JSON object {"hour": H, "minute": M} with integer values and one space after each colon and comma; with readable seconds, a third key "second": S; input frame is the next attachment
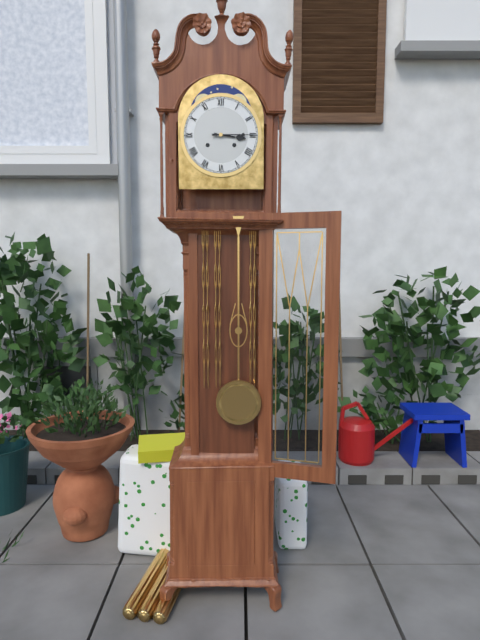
{"hour": 3, "minute": 15}
